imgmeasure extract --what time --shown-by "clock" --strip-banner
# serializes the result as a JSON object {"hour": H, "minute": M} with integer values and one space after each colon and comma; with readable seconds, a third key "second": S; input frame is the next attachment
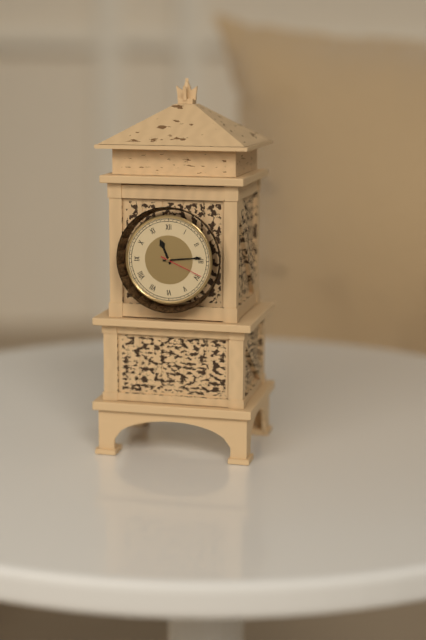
{"hour": 11, "minute": 14}
